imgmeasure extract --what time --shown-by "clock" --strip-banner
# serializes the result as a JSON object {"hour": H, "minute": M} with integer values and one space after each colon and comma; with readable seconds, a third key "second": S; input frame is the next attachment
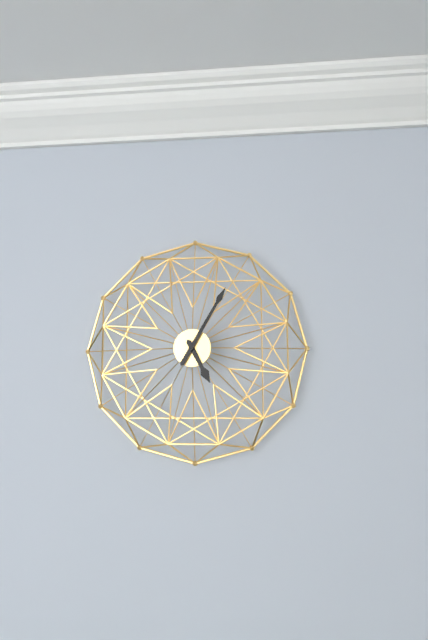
{"hour": 5, "minute": 5}
